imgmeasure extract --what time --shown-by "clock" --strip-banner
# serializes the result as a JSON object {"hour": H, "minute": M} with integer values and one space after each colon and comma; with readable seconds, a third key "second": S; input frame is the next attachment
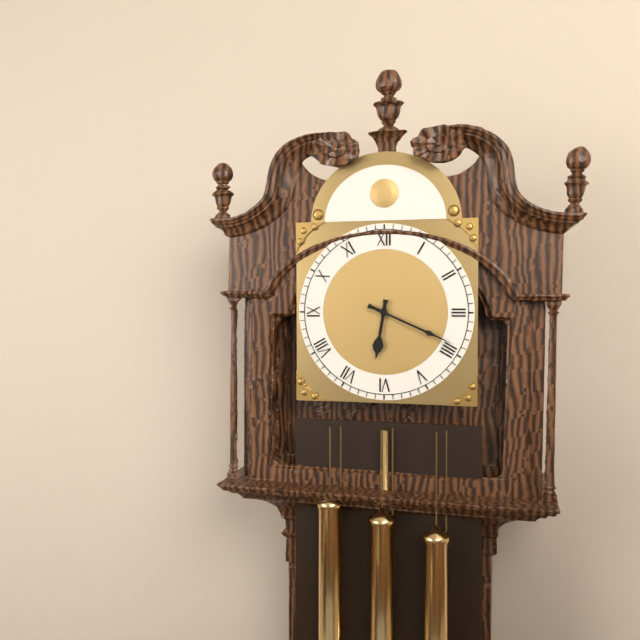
{"hour": 6, "minute": 19}
